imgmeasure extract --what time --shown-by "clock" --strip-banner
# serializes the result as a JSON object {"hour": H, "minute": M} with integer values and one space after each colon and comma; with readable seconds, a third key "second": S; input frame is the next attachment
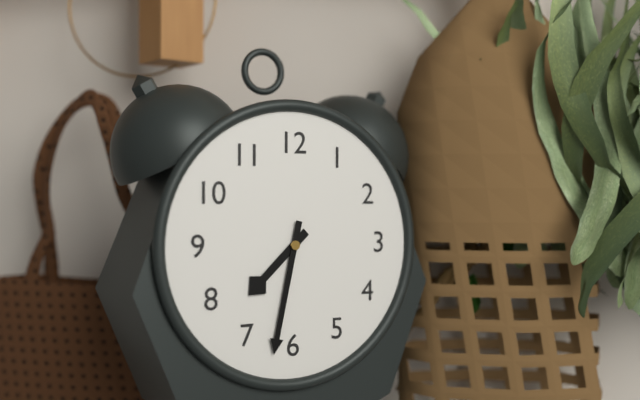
{"hour": 7, "minute": 32}
